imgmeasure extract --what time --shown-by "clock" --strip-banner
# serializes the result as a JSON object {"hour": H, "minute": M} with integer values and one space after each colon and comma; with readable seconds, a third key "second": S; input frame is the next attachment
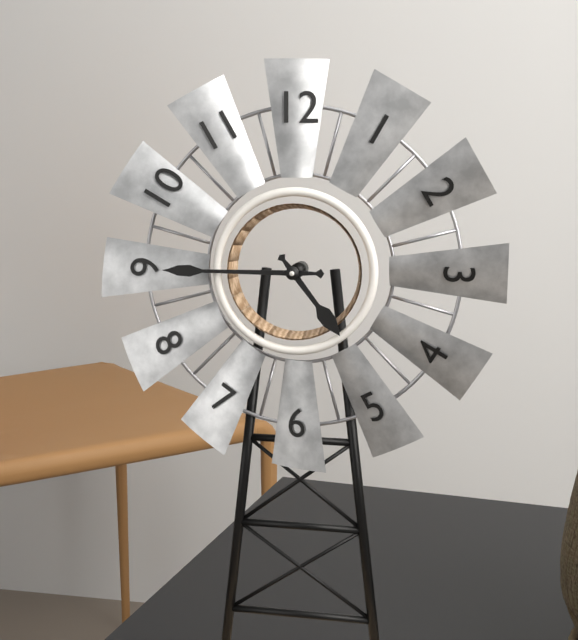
{"hour": 4, "minute": 45}
